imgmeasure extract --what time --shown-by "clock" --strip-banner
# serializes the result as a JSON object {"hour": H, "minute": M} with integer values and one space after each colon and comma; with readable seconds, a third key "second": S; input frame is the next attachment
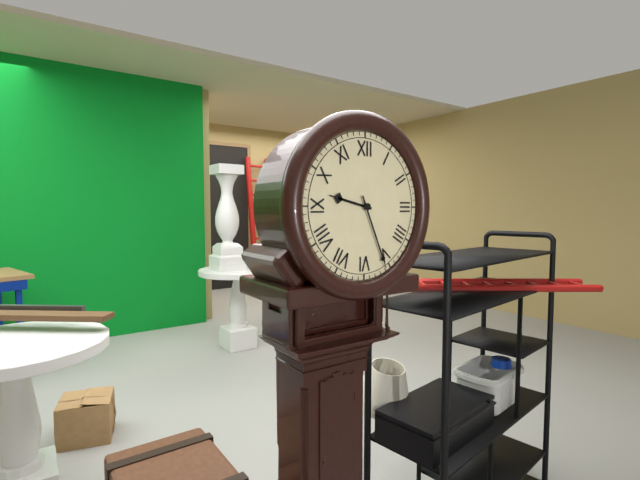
{"hour": 9, "minute": 26}
